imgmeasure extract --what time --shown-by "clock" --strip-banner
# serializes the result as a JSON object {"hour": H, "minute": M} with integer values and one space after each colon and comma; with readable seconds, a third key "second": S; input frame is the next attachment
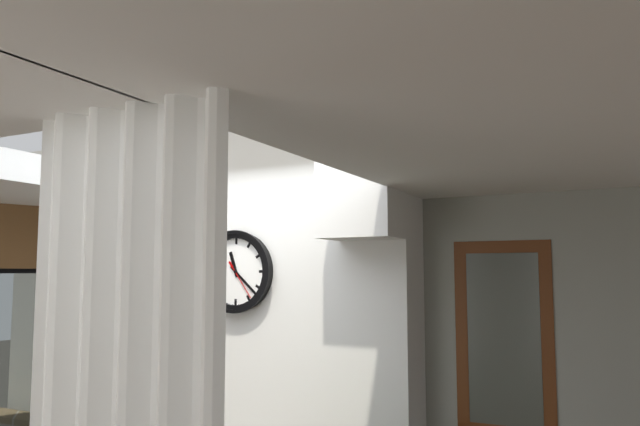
{"hour": 11, "minute": 22}
